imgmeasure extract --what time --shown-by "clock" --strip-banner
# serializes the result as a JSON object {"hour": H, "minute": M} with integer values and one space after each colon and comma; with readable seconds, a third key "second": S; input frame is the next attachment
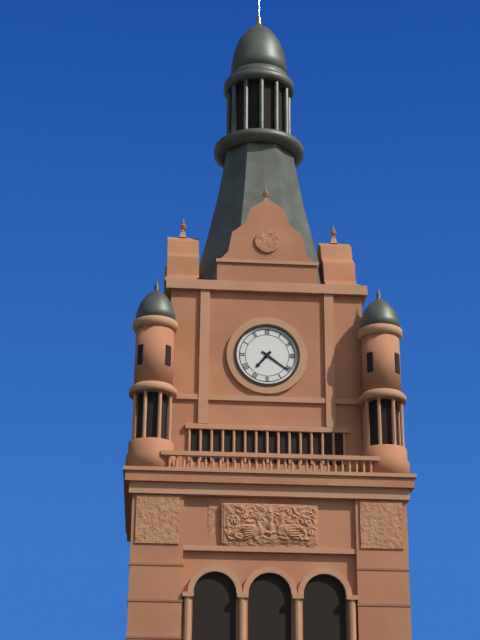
{"hour": 7, "minute": 21}
